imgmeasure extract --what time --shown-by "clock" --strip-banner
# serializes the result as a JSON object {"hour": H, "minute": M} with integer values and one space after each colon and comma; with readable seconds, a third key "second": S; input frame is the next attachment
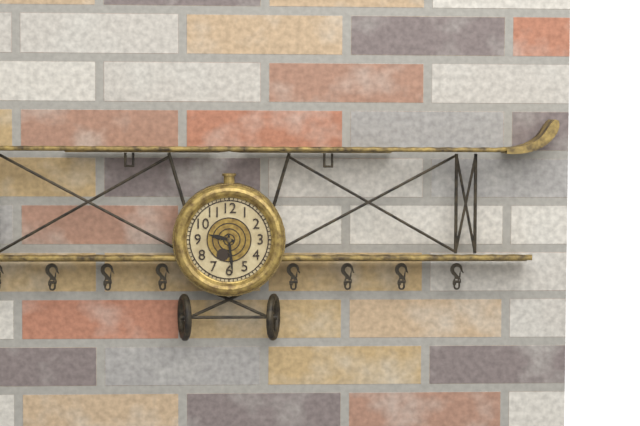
{"hour": 9, "minute": 29}
